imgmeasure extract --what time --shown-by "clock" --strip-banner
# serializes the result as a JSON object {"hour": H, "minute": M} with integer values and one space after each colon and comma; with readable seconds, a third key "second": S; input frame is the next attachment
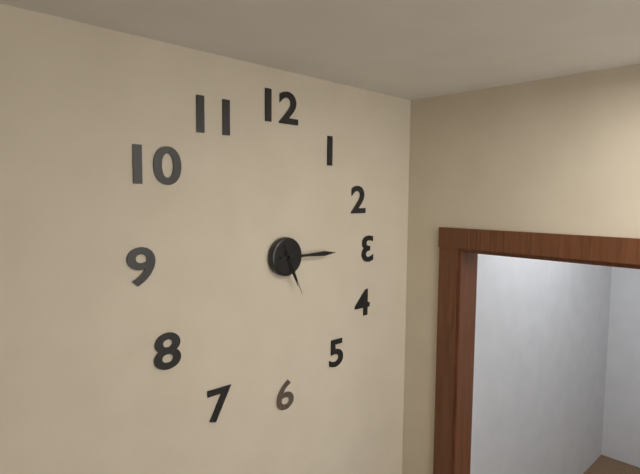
{"hour": 5, "minute": 15, "second": 26}
